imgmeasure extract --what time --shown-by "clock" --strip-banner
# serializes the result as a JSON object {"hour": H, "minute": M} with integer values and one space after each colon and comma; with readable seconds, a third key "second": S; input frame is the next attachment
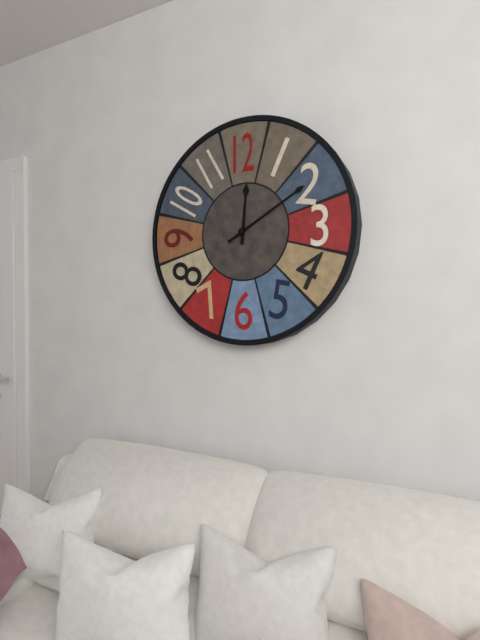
{"hour": 12, "minute": 10}
